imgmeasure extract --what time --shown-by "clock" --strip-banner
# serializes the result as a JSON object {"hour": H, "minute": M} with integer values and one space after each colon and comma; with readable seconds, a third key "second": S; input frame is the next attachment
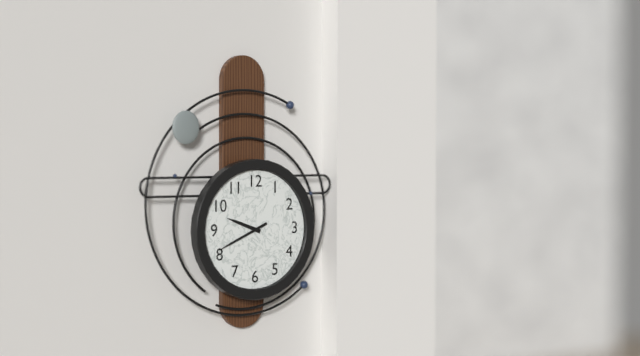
{"hour": 9, "minute": 41}
